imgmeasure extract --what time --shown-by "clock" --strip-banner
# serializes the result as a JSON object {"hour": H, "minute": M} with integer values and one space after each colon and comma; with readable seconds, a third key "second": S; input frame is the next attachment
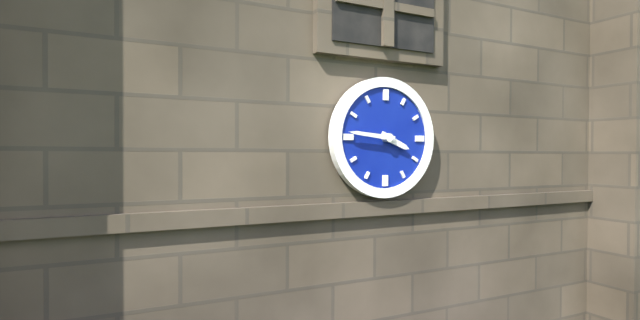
{"hour": 3, "minute": 46}
